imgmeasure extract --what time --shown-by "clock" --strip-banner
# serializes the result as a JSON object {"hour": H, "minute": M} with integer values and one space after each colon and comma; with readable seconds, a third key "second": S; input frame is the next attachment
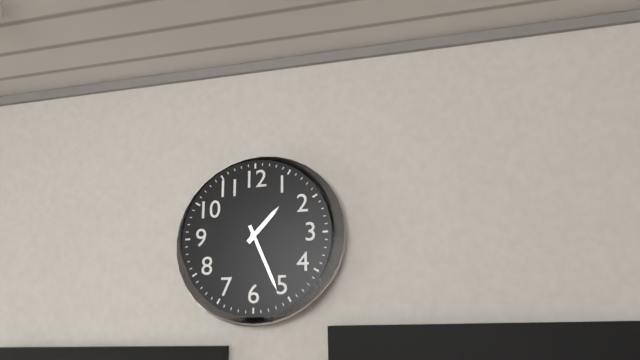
{"hour": 1, "minute": 26}
